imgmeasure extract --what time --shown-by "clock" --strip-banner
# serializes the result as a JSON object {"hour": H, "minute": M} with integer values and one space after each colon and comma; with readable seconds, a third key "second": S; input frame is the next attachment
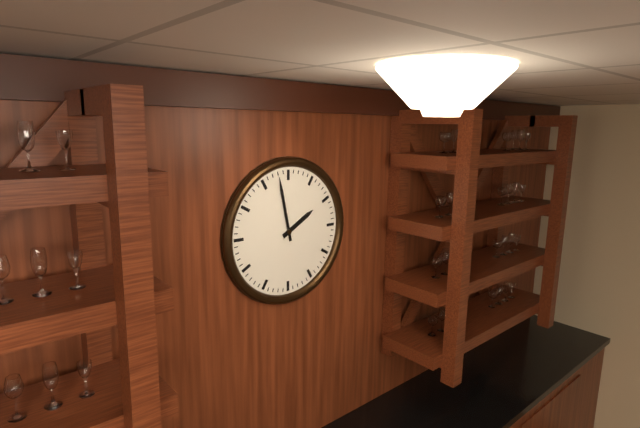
{"hour": 1, "minute": 58}
